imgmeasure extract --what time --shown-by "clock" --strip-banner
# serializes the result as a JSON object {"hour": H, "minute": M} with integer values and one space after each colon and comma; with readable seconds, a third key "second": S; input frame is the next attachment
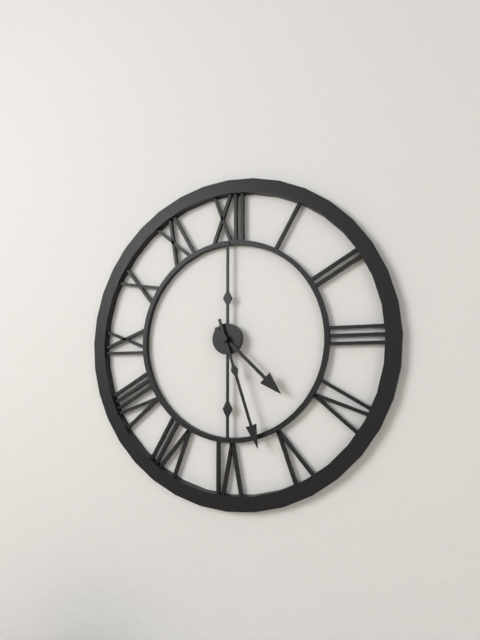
{"hour": 4, "minute": 27}
